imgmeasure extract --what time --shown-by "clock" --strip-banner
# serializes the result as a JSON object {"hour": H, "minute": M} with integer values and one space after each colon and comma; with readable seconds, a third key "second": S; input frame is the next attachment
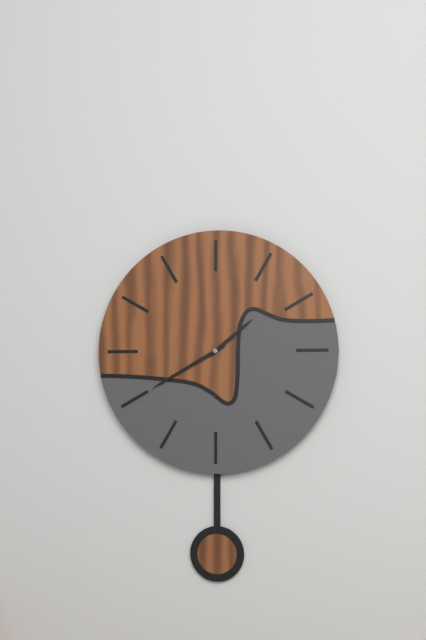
{"hour": 1, "minute": 40}
